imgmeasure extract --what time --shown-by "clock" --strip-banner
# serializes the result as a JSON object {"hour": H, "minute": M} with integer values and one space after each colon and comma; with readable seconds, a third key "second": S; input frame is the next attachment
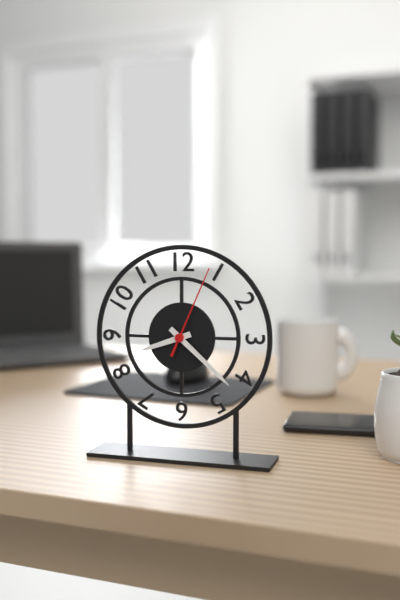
{"hour": 8, "minute": 22, "second": 4}
